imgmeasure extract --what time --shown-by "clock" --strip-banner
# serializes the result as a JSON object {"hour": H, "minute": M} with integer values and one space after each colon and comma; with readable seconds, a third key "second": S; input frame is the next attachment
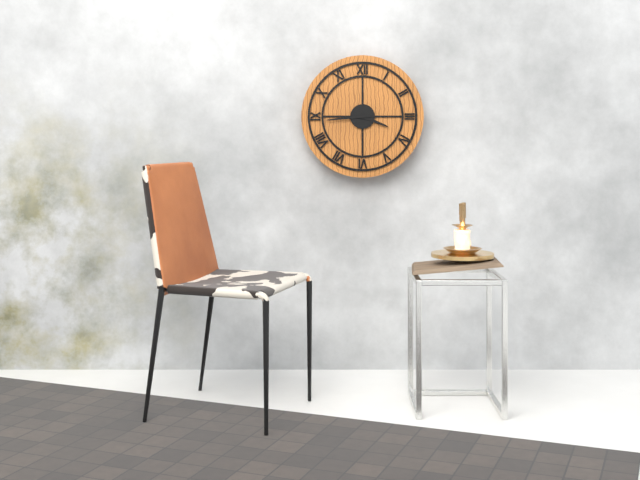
{"hour": 3, "minute": 44}
